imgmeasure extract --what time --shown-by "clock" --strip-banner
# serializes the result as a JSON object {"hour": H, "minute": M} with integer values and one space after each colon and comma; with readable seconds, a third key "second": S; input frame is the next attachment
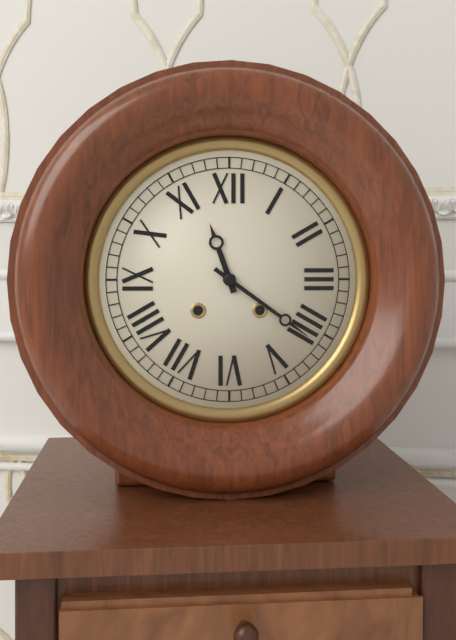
{"hour": 11, "minute": 21}
